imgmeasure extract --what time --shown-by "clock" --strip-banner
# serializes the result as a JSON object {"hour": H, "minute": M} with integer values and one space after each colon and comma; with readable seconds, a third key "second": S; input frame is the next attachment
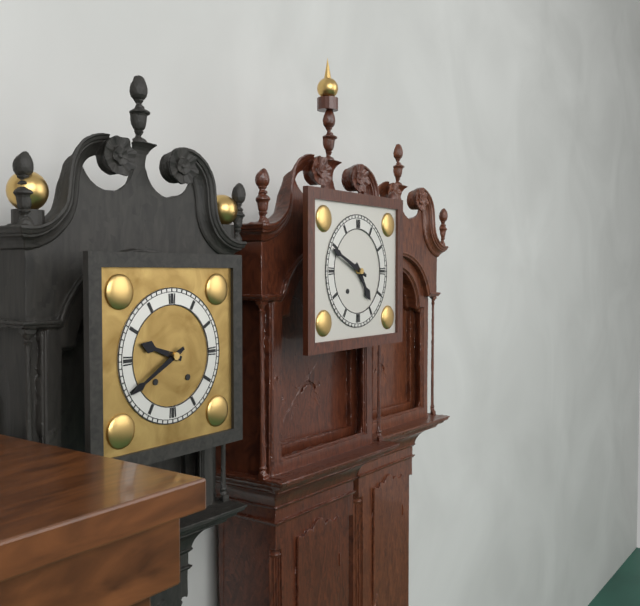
{"hour": 4, "minute": 49}
